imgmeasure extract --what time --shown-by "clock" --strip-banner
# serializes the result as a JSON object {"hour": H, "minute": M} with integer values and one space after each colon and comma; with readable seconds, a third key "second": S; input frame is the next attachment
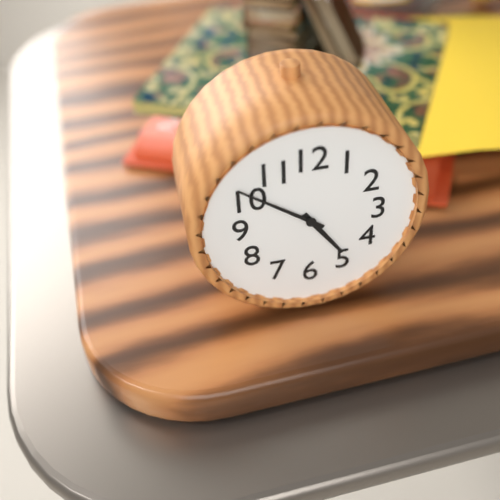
{"hour": 4, "minute": 51}
